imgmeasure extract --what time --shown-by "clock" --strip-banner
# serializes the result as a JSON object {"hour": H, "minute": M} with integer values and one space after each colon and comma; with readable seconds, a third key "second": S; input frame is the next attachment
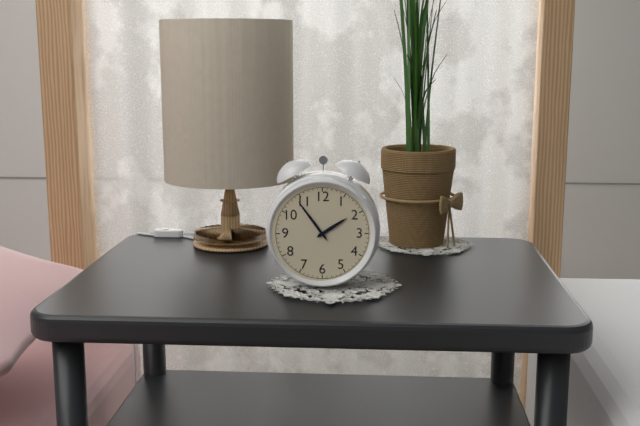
{"hour": 1, "minute": 54}
